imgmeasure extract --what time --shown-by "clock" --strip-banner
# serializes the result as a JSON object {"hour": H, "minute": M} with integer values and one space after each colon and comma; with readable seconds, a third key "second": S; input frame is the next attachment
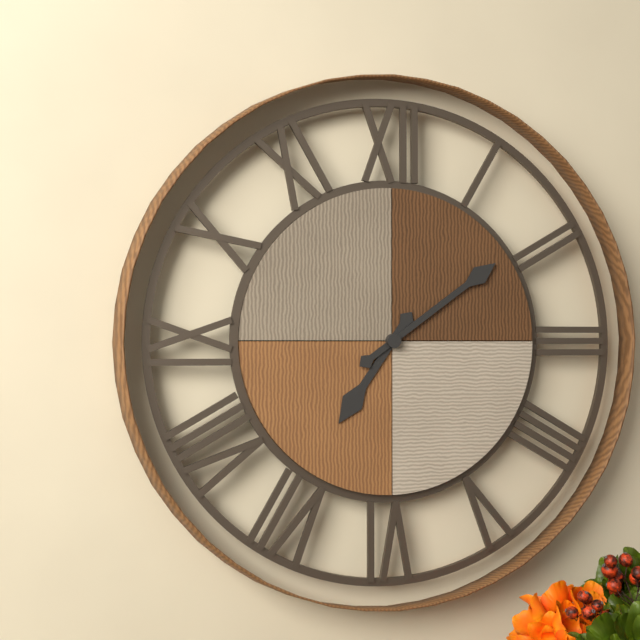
{"hour": 7, "minute": 9}
